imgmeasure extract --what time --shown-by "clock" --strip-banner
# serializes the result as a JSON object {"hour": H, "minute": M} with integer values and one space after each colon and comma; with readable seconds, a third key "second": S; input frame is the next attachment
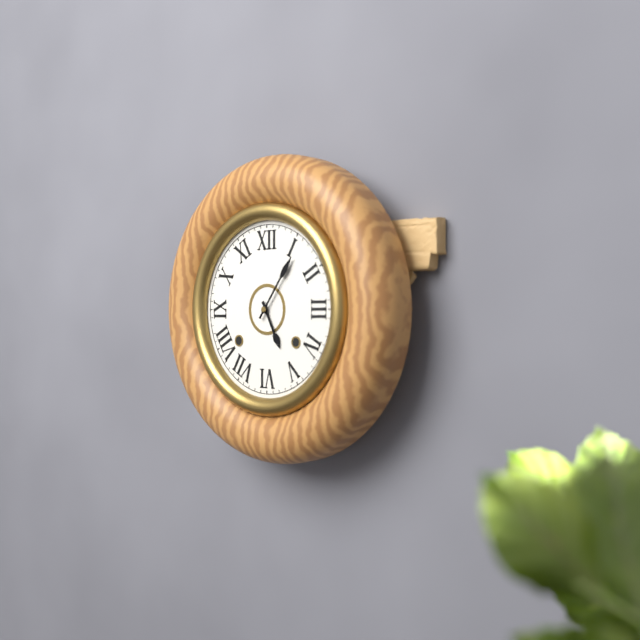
{"hour": 5, "minute": 6}
